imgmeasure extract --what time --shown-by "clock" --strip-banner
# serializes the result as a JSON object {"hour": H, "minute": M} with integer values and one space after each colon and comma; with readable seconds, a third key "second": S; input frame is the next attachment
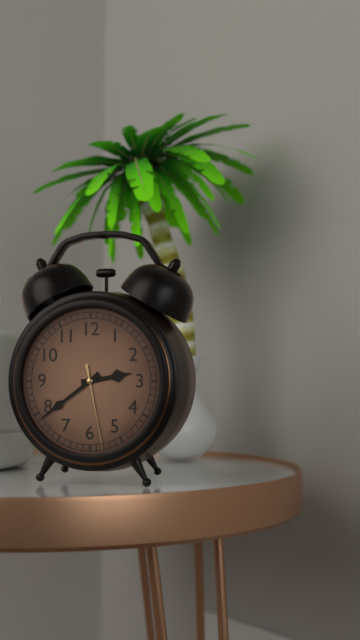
{"hour": 2, "minute": 39, "second": 28}
